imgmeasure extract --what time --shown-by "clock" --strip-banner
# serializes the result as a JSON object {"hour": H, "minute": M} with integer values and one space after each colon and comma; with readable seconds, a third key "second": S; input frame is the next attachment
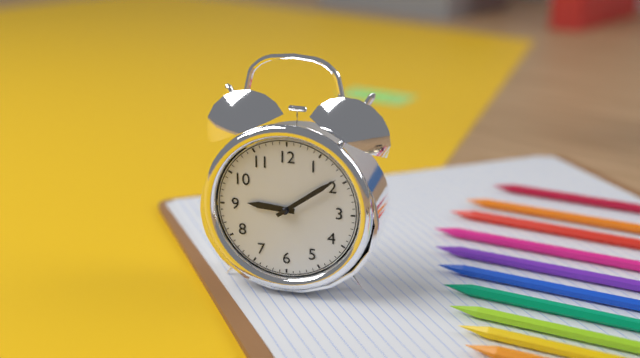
{"hour": 9, "minute": 9}
